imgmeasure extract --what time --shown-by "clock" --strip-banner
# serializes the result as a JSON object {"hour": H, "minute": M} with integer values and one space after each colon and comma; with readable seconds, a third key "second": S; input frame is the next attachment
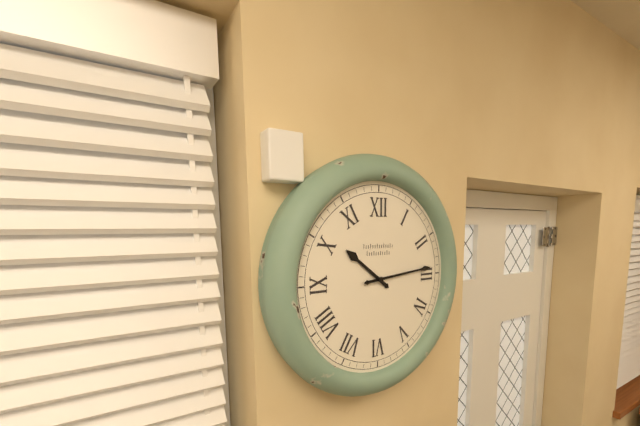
{"hour": 10, "minute": 14}
